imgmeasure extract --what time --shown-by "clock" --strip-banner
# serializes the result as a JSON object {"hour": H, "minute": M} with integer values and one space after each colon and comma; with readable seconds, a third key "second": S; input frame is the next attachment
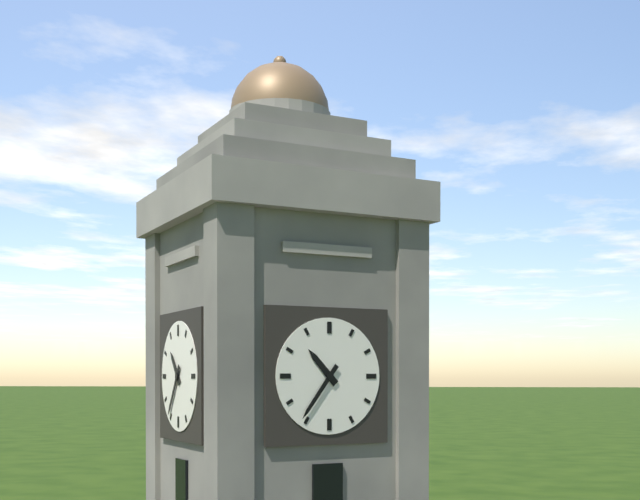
{"hour": 10, "minute": 36}
